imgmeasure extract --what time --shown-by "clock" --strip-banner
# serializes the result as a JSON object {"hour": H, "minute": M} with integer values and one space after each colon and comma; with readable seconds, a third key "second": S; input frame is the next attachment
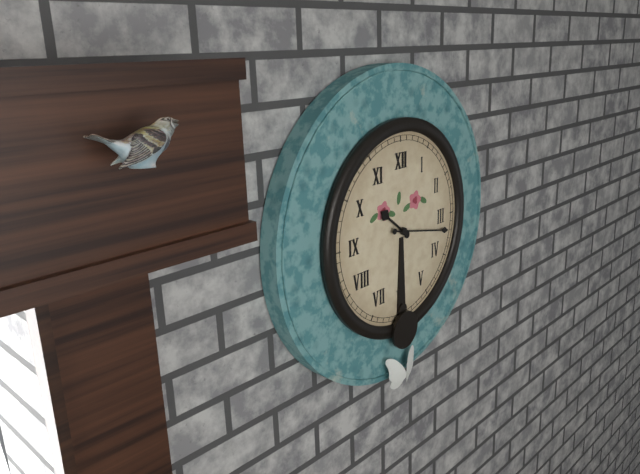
{"hour": 10, "minute": 17}
